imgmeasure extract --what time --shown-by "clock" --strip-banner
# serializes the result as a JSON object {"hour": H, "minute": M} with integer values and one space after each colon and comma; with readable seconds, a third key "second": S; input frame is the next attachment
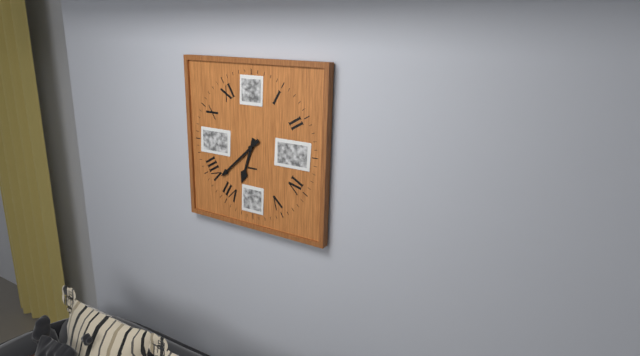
{"hour": 6, "minute": 38}
